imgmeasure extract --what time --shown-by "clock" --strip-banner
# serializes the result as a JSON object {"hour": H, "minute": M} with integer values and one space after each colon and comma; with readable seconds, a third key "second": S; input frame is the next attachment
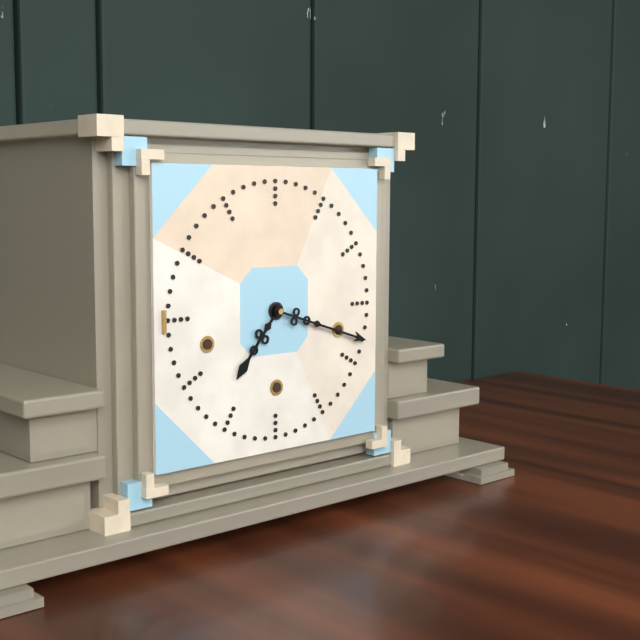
{"hour": 7, "minute": 18}
